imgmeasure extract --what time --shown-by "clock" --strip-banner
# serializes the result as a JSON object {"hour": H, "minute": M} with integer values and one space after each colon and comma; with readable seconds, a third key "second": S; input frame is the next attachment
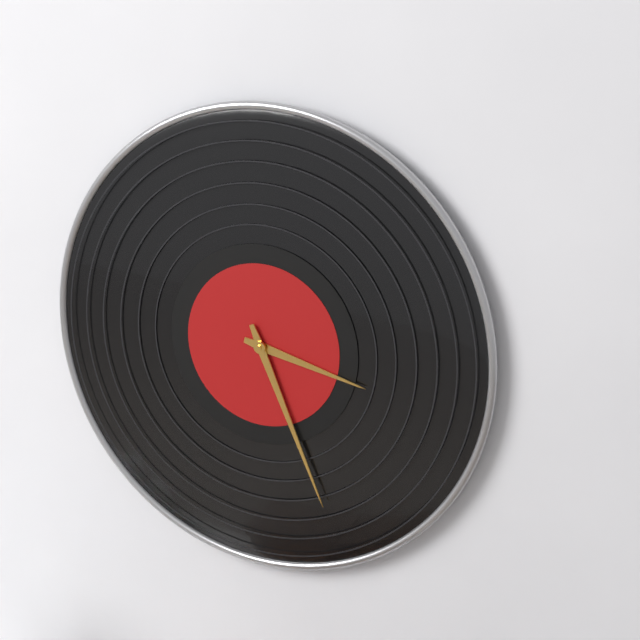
{"hour": 3, "minute": 26}
